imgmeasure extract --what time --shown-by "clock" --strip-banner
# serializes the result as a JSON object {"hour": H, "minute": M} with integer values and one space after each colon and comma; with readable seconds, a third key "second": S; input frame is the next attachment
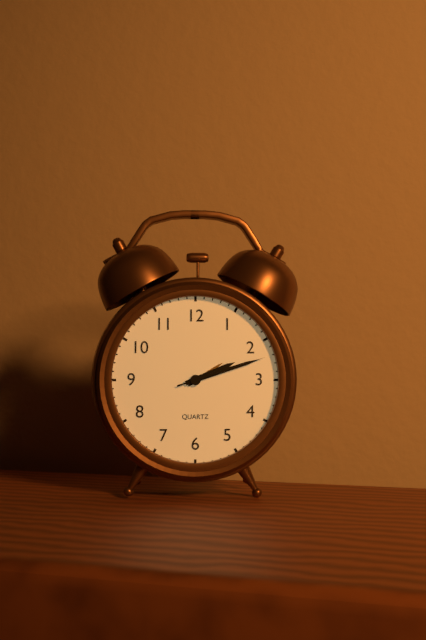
{"hour": 2, "minute": 12, "second": 12}
